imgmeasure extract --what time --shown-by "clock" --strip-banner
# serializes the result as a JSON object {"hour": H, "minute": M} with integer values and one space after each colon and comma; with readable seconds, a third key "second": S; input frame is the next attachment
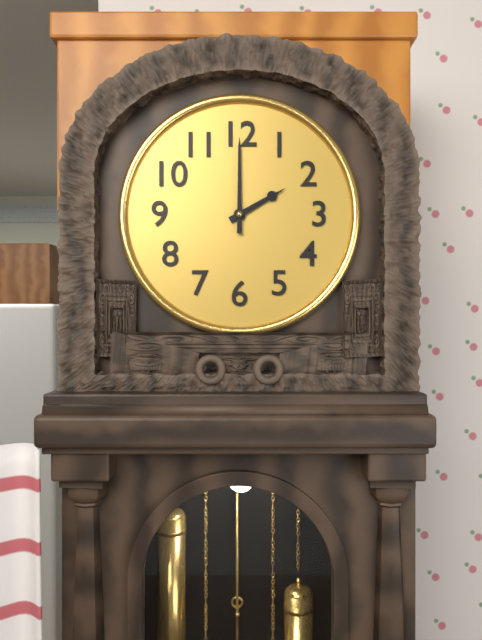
{"hour": 2, "minute": 0}
